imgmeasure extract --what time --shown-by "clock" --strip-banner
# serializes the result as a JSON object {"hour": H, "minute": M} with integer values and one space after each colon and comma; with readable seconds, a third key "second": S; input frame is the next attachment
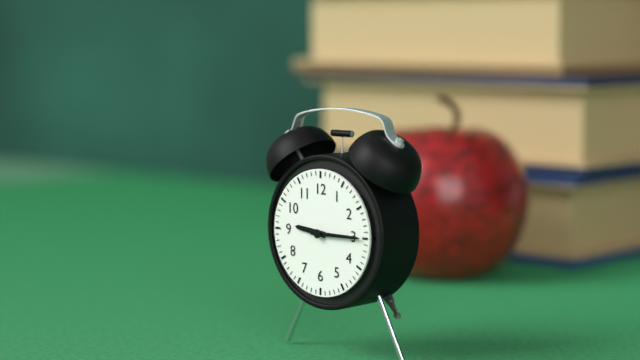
{"hour": 9, "minute": 15}
